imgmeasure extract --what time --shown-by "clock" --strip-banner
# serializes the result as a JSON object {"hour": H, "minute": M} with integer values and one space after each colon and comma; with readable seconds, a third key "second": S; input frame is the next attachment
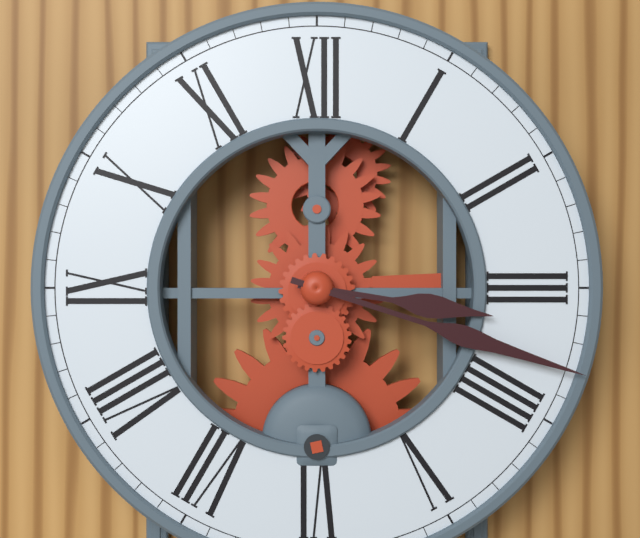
{"hour": 3, "minute": 18}
